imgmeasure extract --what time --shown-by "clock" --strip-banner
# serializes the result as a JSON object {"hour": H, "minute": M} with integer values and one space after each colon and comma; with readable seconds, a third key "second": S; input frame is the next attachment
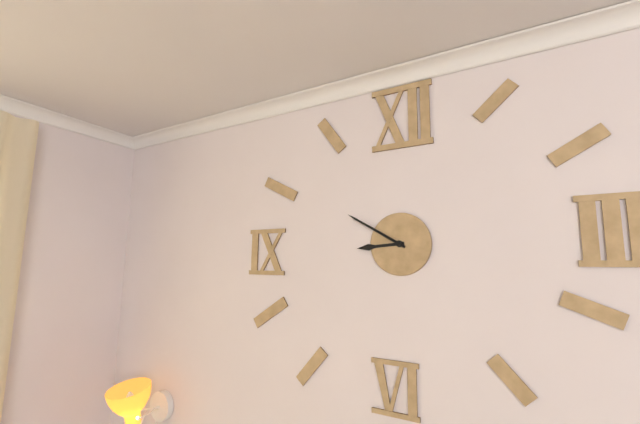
{"hour": 8, "minute": 50}
